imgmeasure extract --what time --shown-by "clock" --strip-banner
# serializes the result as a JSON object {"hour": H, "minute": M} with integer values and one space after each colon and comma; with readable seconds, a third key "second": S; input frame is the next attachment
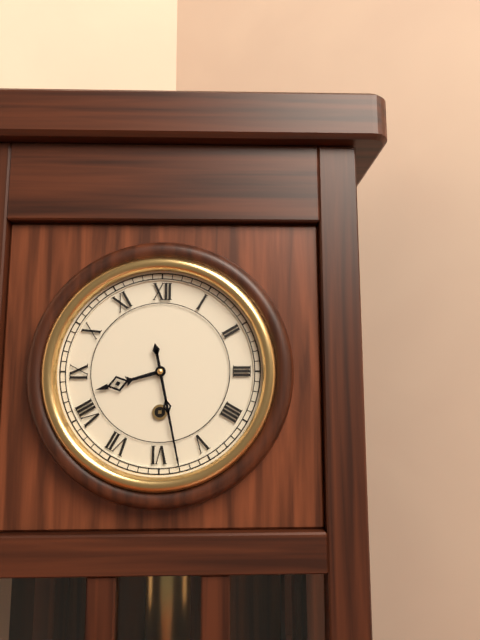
{"hour": 8, "minute": 28}
